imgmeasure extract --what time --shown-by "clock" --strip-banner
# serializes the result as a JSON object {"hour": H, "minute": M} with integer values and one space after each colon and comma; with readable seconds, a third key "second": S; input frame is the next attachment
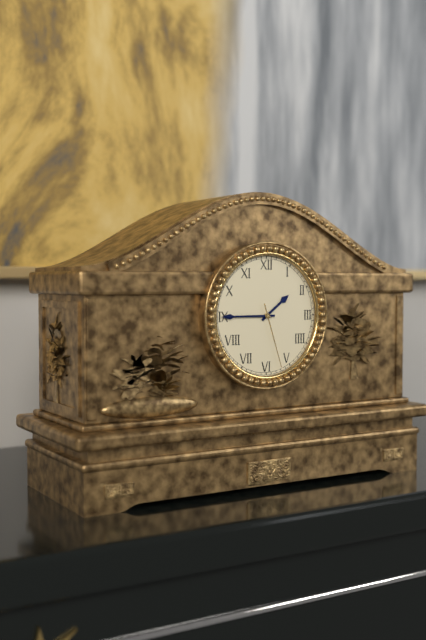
{"hour": 1, "minute": 45, "second": 27}
